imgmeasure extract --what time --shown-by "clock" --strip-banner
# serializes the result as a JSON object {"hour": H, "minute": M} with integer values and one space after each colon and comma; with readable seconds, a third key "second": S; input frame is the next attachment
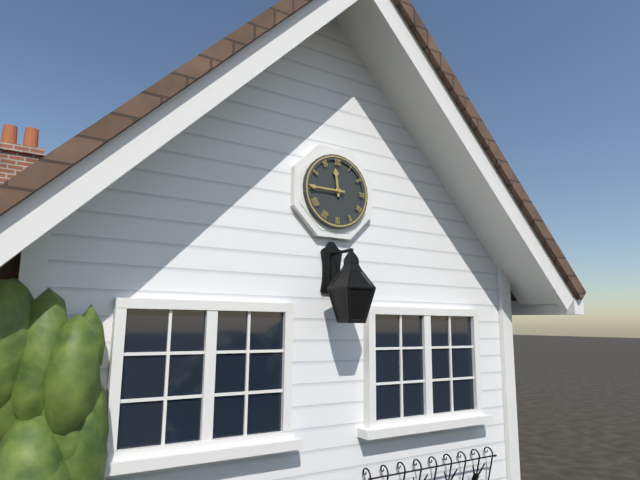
{"hour": 11, "minute": 45}
